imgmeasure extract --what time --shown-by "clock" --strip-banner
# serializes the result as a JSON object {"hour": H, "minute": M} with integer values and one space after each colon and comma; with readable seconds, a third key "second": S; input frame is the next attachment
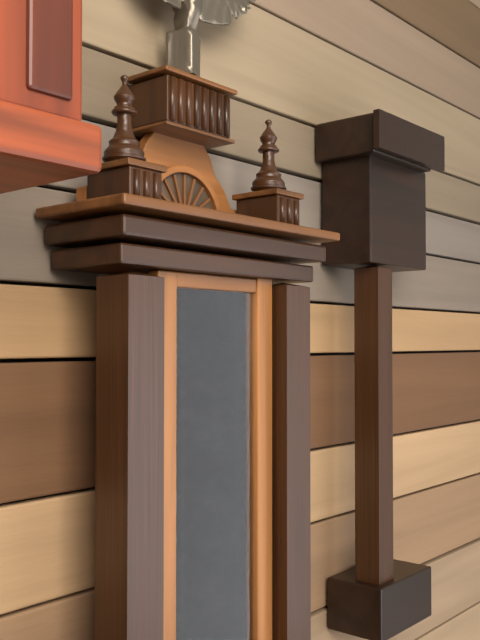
{"hour": 10, "minute": 17}
